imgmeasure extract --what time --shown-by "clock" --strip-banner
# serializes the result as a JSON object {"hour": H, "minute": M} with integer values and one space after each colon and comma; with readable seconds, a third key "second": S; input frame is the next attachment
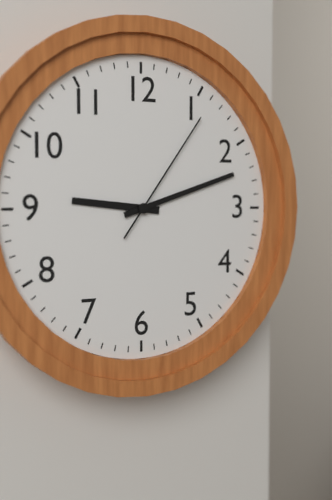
{"hour": 9, "minute": 12, "second": 6}
